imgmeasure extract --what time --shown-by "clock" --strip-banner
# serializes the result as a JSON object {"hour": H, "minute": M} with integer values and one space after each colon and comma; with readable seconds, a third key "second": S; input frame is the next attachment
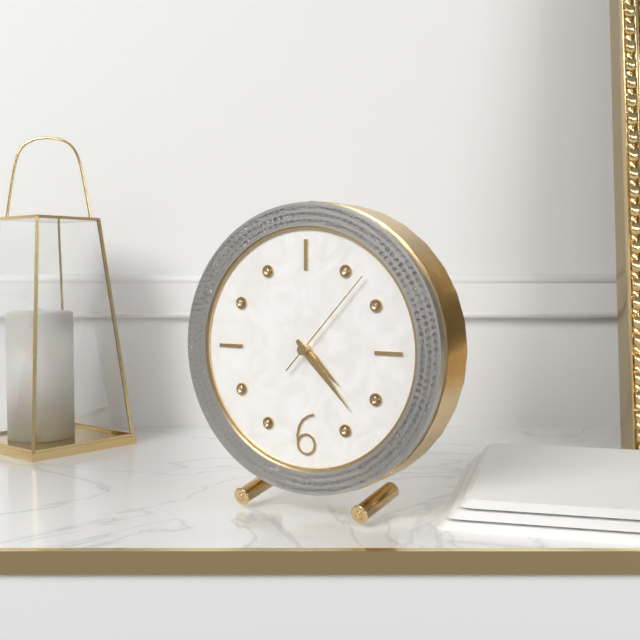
{"hour": 4, "minute": 23, "second": 7}
